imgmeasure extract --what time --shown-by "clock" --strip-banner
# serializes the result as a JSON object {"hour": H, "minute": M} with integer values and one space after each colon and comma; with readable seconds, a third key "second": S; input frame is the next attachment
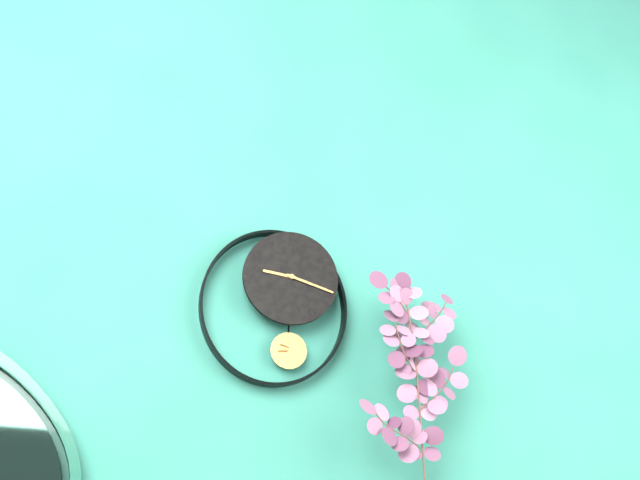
{"hour": 9, "minute": 18}
